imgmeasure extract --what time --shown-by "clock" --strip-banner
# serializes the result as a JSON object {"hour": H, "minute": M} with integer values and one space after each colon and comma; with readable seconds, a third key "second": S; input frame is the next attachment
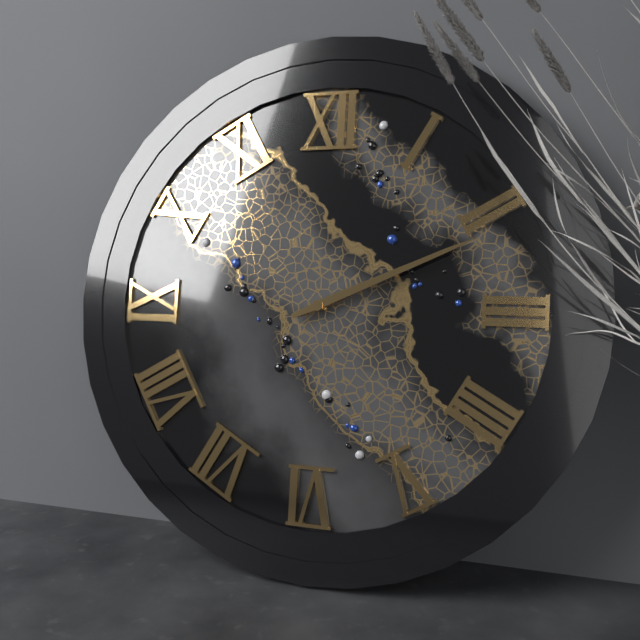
{"hour": 2, "minute": 11}
